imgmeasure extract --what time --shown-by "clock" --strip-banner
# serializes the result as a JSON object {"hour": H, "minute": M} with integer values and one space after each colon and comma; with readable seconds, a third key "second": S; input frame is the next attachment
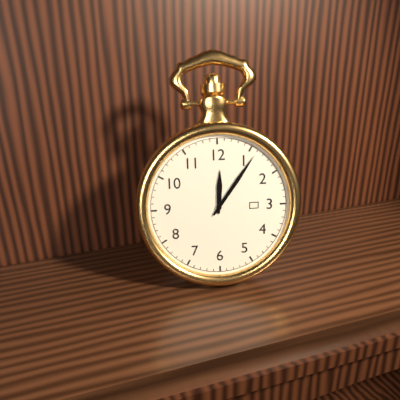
{"hour": 12, "minute": 6}
